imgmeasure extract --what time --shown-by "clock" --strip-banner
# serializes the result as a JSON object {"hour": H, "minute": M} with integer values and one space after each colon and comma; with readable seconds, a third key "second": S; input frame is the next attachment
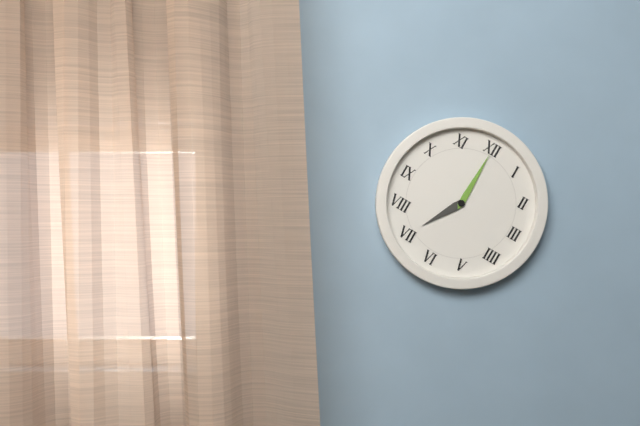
{"hour": 7, "minute": 0}
